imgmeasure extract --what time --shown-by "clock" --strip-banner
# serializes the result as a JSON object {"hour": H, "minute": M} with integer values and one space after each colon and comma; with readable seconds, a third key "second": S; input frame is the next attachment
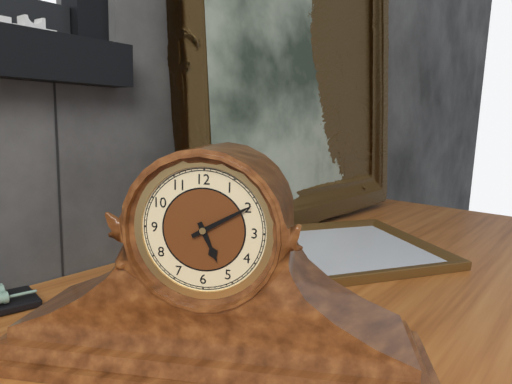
{"hour": 5, "minute": 10}
